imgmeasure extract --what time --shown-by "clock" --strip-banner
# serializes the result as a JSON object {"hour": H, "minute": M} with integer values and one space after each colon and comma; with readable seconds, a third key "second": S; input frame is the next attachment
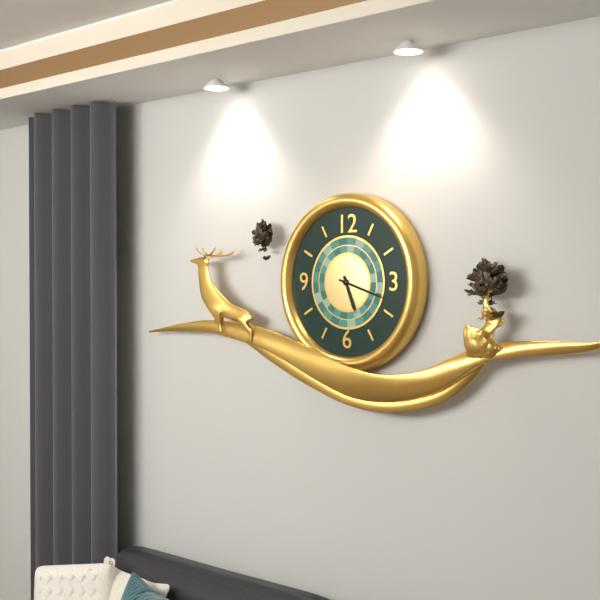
{"hour": 5, "minute": 18}
